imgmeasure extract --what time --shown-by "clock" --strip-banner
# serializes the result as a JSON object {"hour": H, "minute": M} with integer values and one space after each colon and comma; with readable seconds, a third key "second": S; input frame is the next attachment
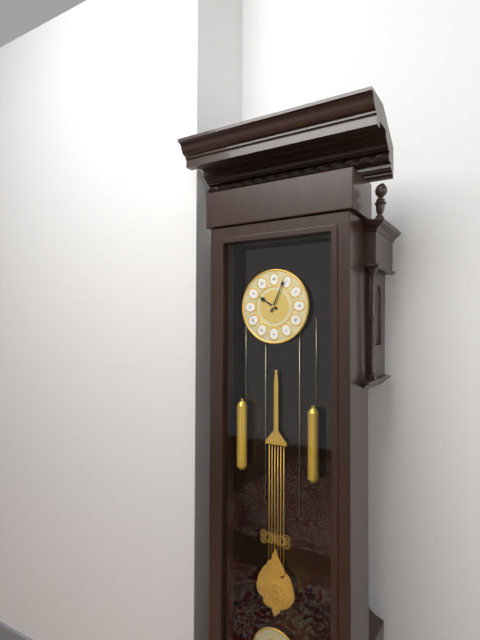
{"hour": 10, "minute": 4}
